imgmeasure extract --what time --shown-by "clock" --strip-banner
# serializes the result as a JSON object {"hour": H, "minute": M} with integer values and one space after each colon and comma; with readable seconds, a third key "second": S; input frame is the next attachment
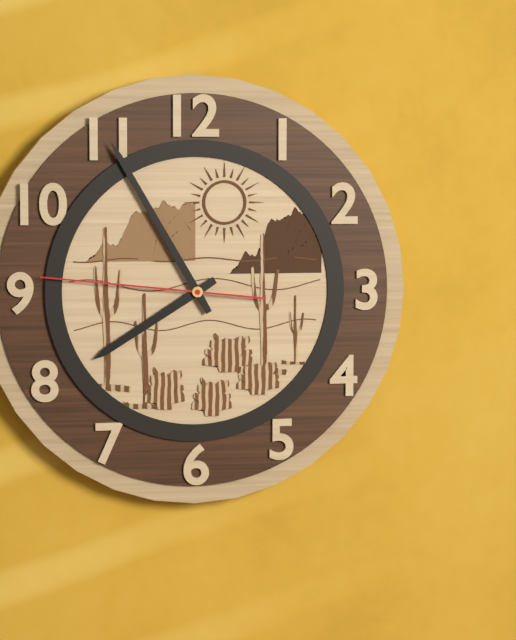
{"hour": 7, "minute": 55, "second": 46}
